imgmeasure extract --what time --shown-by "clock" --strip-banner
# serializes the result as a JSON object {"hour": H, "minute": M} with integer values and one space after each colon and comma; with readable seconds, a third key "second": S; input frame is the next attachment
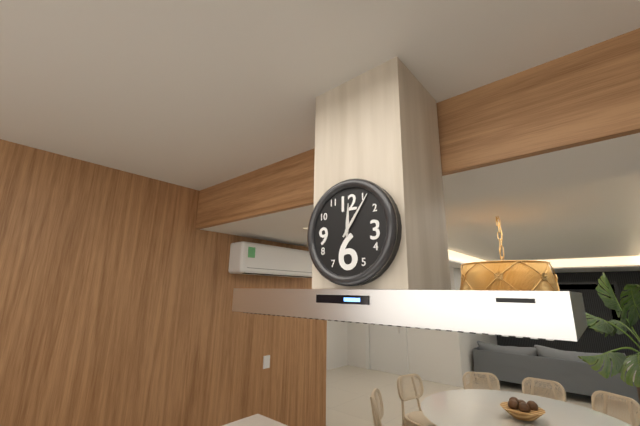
{"hour": 12, "minute": 6}
